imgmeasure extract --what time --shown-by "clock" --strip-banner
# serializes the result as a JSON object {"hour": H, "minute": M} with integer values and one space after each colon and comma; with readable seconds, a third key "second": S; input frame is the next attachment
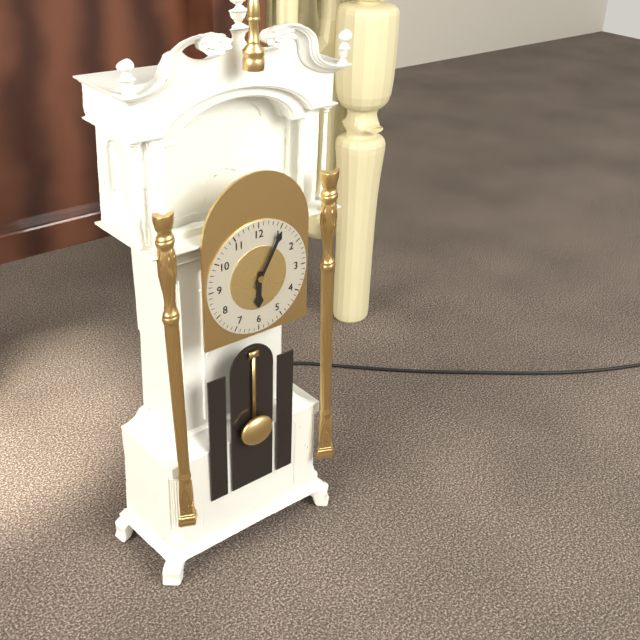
{"hour": 6, "minute": 5}
